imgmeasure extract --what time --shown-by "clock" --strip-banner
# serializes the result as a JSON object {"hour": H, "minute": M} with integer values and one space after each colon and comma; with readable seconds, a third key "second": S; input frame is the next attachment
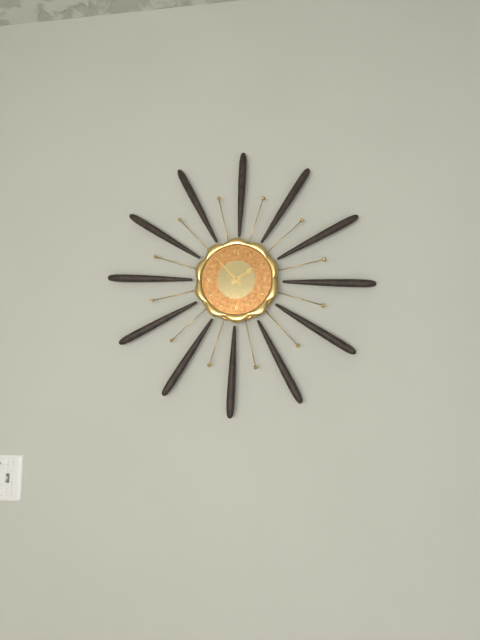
{"hour": 1, "minute": 53}
